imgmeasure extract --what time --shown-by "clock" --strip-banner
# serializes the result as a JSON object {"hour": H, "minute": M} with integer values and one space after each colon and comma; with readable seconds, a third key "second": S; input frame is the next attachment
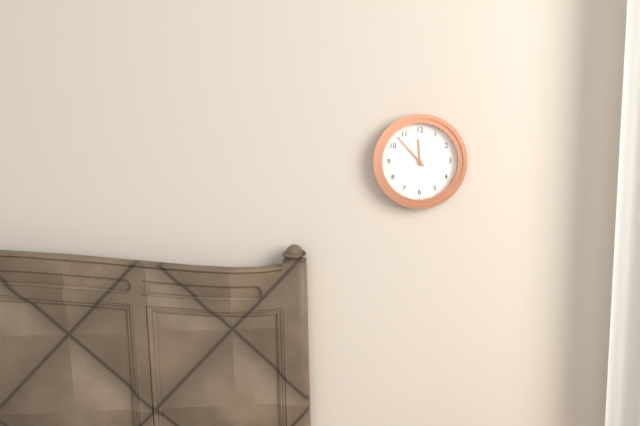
{"hour": 11, "minute": 53}
